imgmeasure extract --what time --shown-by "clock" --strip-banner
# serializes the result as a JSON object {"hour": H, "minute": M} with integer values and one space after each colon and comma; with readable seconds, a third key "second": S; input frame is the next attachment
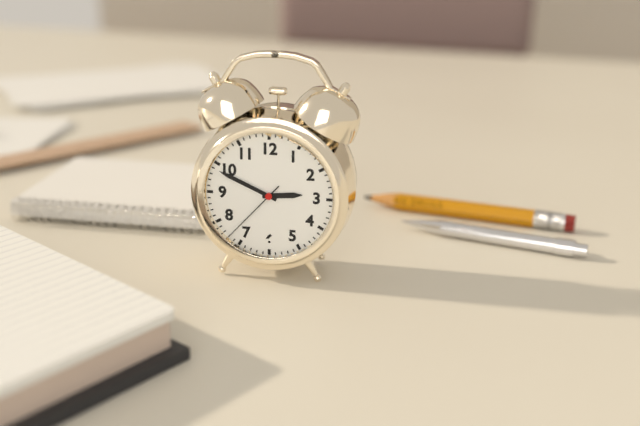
{"hour": 2, "minute": 49, "second": 37}
